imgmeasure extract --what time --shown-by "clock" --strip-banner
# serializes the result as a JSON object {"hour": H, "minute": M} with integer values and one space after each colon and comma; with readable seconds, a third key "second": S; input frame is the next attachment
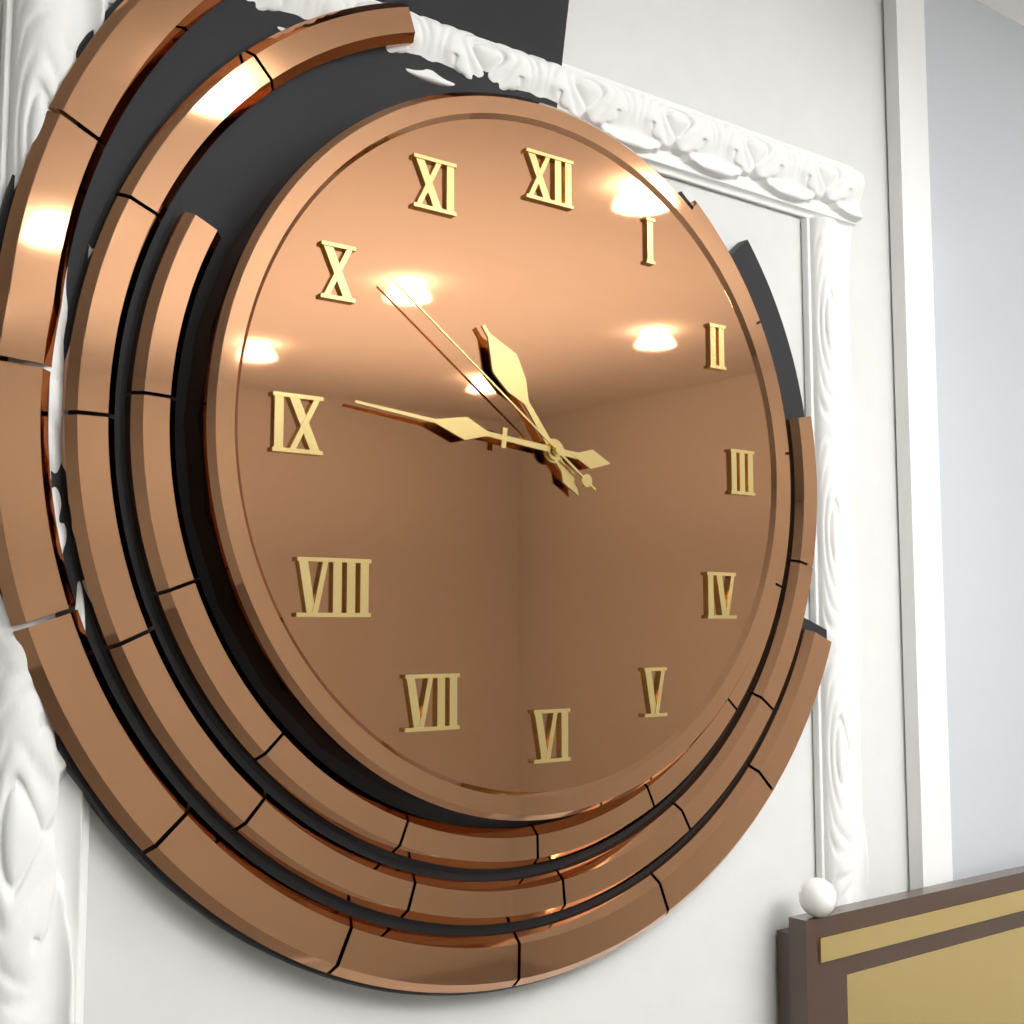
{"hour": 10, "minute": 46, "second": 51}
